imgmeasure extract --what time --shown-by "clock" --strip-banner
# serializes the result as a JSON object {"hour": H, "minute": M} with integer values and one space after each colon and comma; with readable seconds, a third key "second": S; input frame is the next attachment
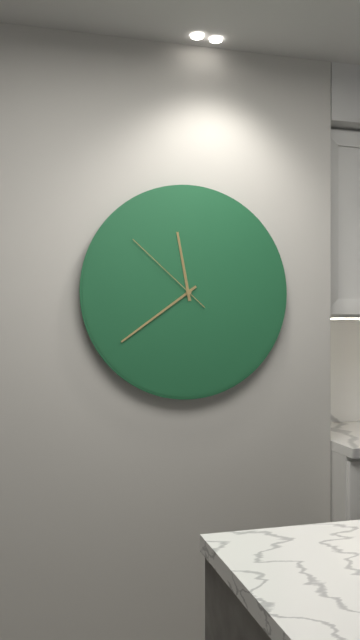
{"hour": 11, "minute": 39, "second": 52}
